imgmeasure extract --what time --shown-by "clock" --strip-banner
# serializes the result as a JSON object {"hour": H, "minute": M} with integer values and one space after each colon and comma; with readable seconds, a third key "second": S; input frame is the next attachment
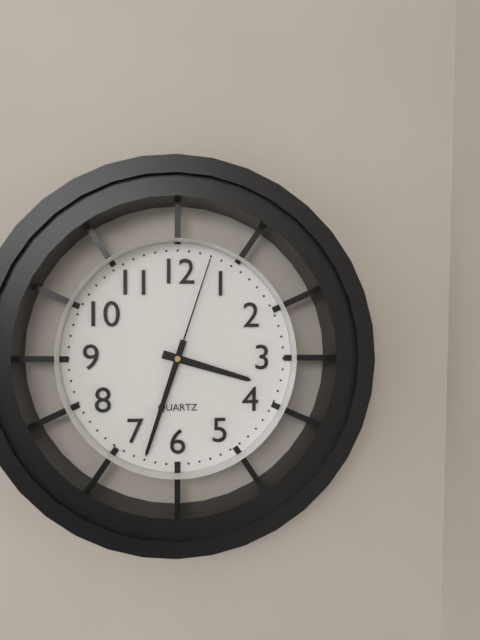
{"hour": 3, "minute": 33, "second": 3}
